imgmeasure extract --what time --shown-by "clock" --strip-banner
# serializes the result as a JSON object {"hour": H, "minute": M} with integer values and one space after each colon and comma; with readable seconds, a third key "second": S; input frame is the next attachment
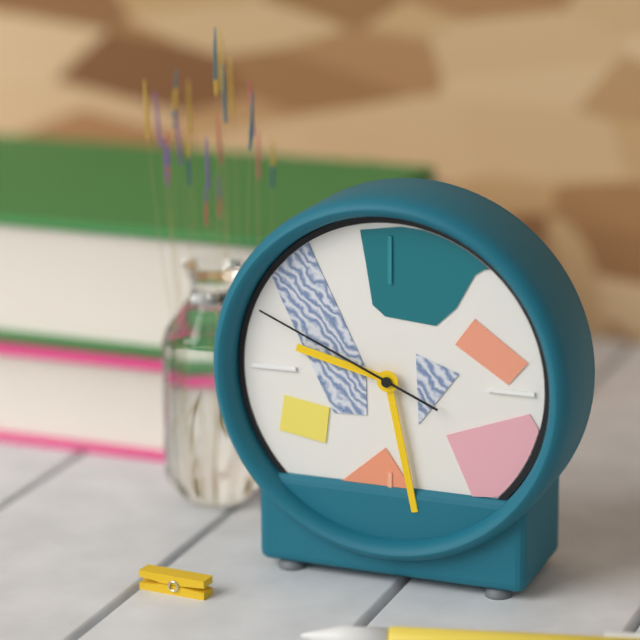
{"hour": 9, "minute": 28, "second": 49}
